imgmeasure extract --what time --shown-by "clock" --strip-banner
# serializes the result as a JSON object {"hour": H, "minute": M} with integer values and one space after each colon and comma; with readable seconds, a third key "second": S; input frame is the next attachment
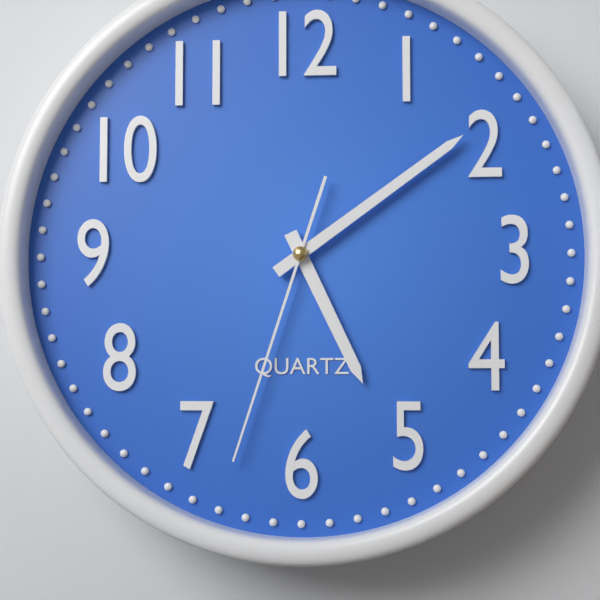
{"hour": 5, "minute": 9, "second": 33}
